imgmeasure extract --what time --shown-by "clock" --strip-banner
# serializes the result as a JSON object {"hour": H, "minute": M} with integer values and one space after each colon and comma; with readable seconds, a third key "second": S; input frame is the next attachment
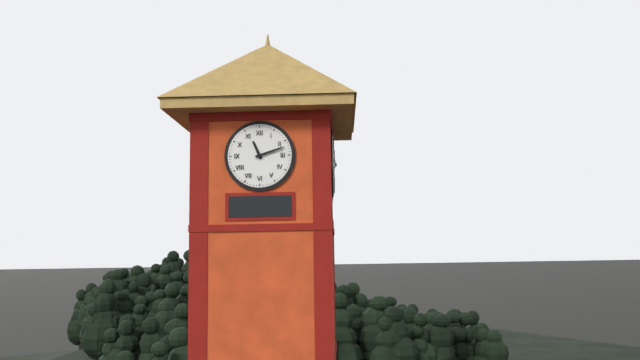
{"hour": 11, "minute": 12}
